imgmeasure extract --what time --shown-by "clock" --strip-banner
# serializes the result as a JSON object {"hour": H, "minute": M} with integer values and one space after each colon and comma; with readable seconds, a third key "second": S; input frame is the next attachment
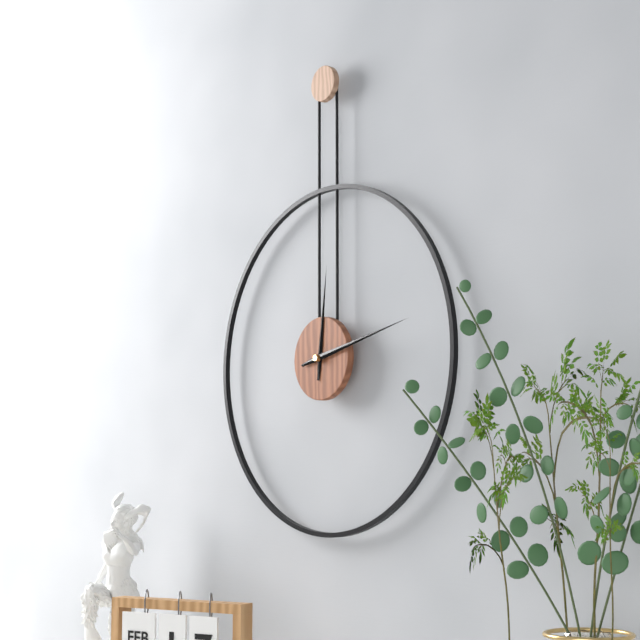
{"hour": 12, "minute": 13}
